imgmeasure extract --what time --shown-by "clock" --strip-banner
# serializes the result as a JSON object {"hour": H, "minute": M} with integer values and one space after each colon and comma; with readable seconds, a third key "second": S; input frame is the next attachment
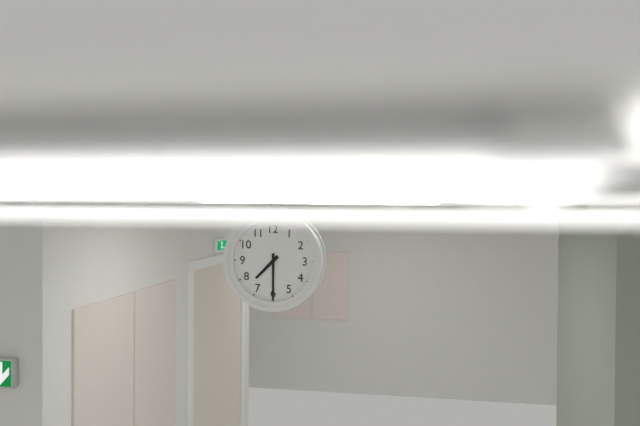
{"hour": 7, "minute": 30}
